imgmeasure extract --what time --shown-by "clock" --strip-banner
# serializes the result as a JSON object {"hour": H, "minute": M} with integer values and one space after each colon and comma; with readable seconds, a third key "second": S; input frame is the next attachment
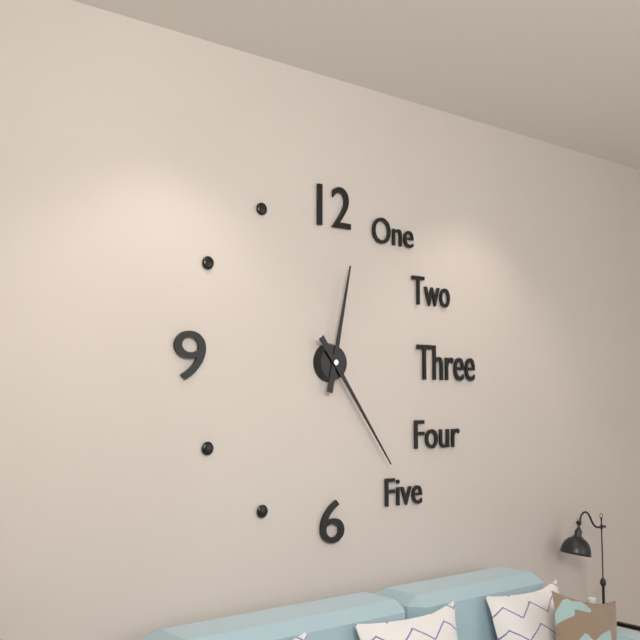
{"hour": 12, "minute": 24}
